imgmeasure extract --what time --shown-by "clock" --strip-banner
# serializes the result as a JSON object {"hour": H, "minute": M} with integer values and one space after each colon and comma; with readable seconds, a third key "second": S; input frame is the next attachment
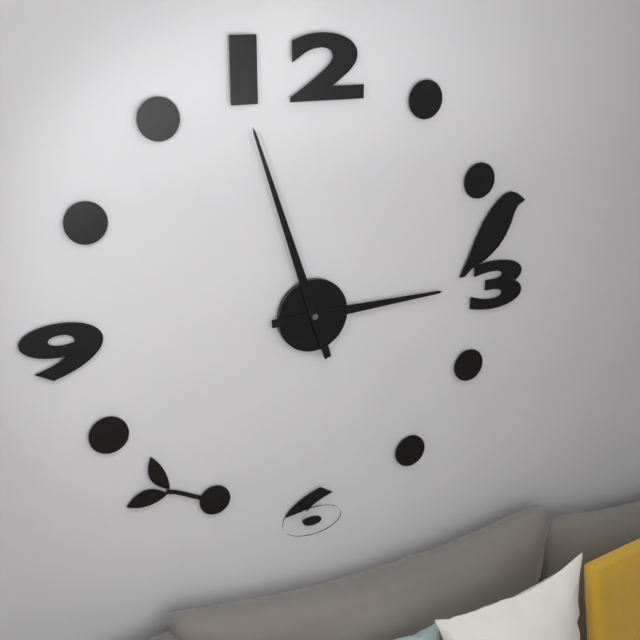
{"hour": 2, "minute": 57}
